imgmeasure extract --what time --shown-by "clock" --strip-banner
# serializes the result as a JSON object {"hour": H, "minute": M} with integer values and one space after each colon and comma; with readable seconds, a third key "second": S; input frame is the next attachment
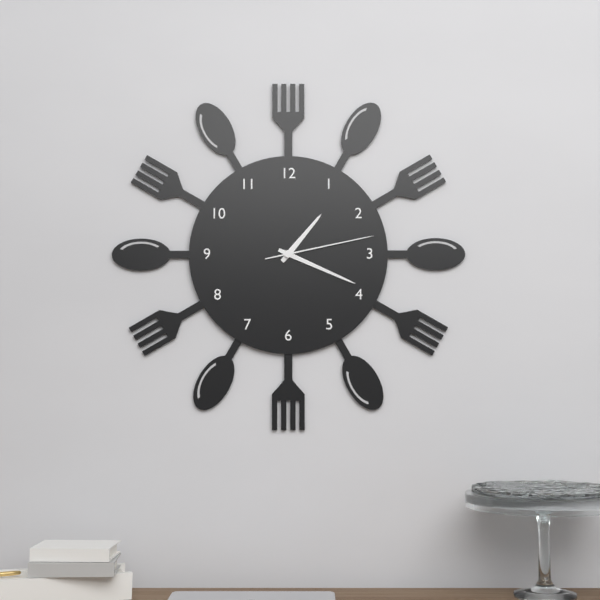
{"hour": 1, "minute": 19, "second": 13}
